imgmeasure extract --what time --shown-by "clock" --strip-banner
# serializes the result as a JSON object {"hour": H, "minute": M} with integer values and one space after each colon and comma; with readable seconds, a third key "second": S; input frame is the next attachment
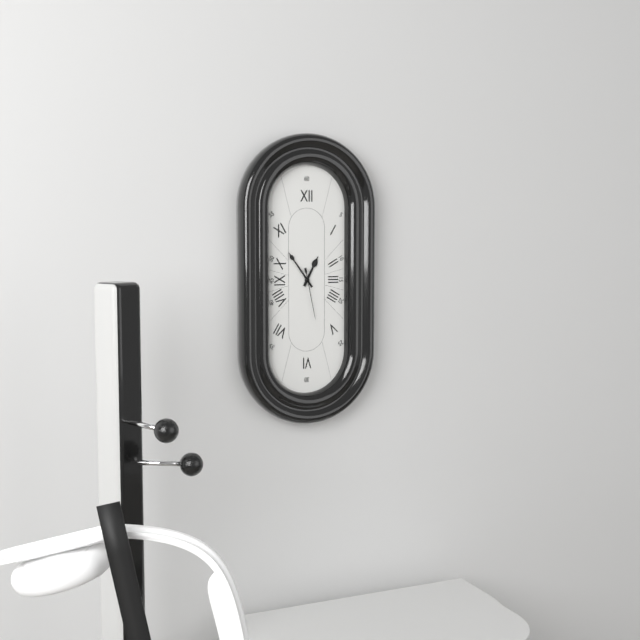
{"hour": 12, "minute": 54, "second": 28}
